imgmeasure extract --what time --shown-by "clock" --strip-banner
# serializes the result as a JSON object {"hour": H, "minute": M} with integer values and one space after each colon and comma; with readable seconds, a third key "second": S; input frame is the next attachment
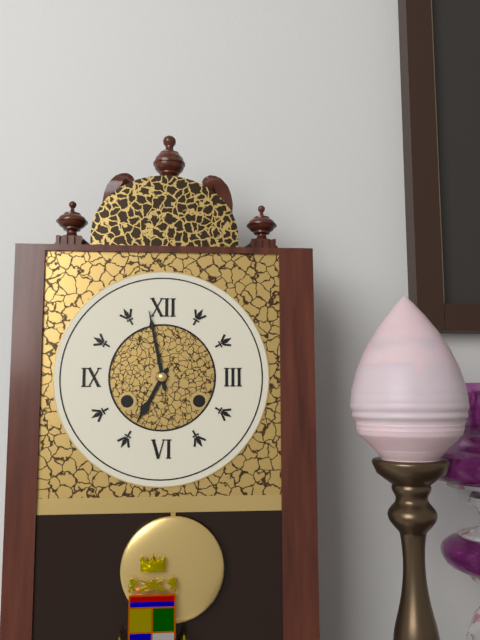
{"hour": 6, "minute": 58}
